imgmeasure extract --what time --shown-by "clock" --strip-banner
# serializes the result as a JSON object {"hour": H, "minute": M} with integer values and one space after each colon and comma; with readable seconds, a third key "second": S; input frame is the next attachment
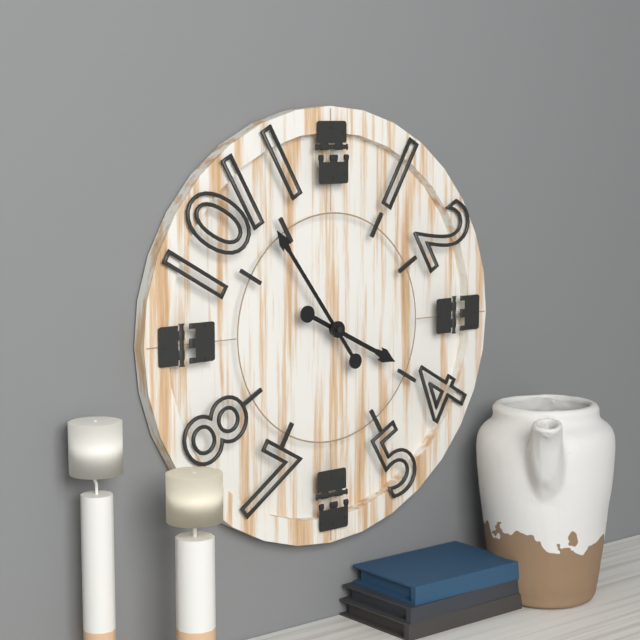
{"hour": 3, "minute": 54}
